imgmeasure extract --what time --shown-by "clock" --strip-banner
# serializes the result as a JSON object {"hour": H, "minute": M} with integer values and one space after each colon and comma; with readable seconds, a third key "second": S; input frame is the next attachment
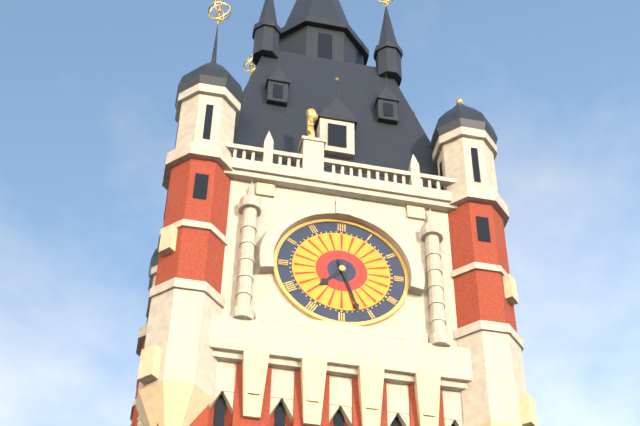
{"hour": 7, "minute": 27}
